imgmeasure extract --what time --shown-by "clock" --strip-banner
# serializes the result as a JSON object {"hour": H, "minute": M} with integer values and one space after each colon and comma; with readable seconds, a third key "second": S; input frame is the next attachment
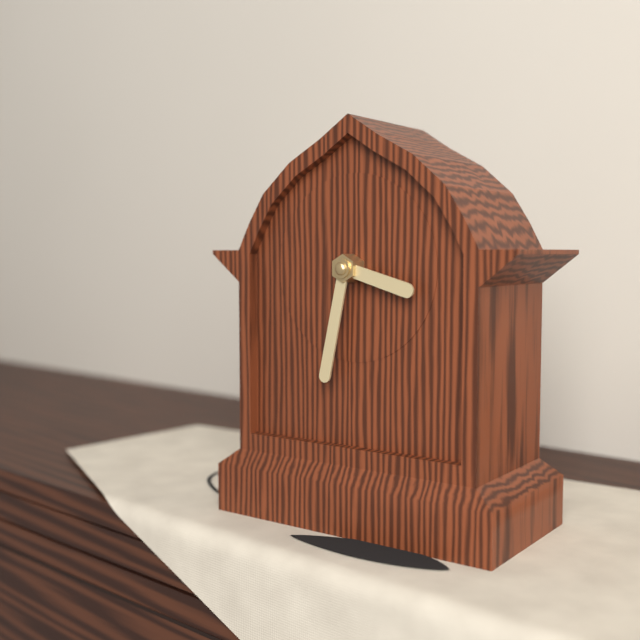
{"hour": 3, "minute": 32}
